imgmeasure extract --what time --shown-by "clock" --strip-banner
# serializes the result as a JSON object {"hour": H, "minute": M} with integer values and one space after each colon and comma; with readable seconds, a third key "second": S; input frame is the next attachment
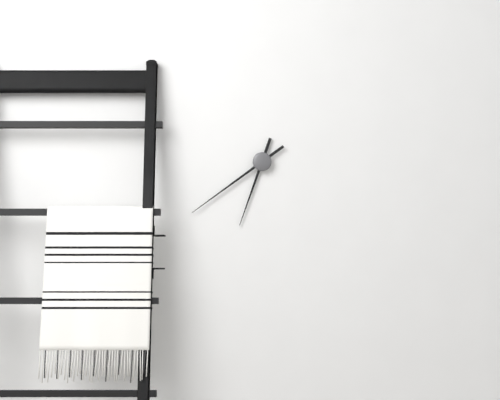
{"hour": 6, "minute": 39}
